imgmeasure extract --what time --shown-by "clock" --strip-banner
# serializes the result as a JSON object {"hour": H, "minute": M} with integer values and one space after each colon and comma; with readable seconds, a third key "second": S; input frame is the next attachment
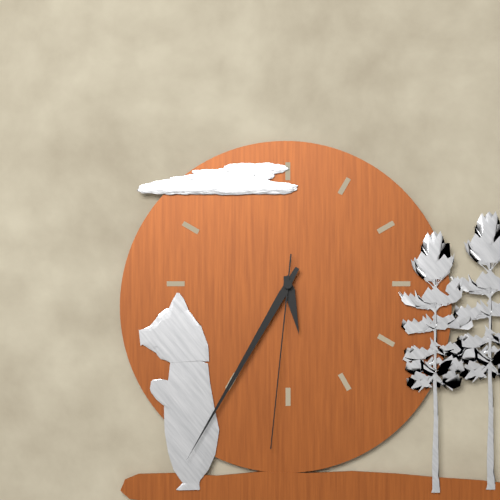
{"hour": 5, "minute": 35, "second": 31}
